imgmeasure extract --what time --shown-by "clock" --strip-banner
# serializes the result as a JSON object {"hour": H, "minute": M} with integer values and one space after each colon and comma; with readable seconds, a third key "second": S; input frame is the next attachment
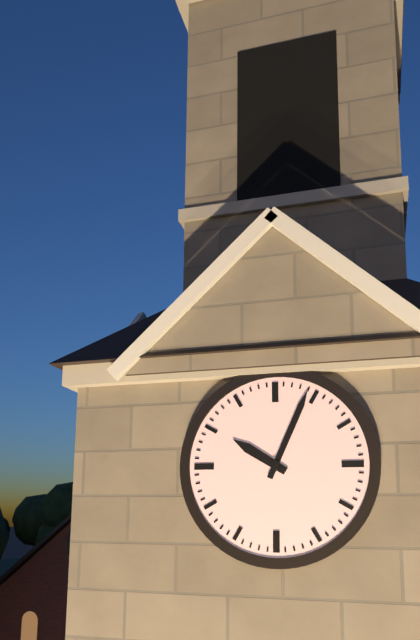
{"hour": 10, "minute": 4}
